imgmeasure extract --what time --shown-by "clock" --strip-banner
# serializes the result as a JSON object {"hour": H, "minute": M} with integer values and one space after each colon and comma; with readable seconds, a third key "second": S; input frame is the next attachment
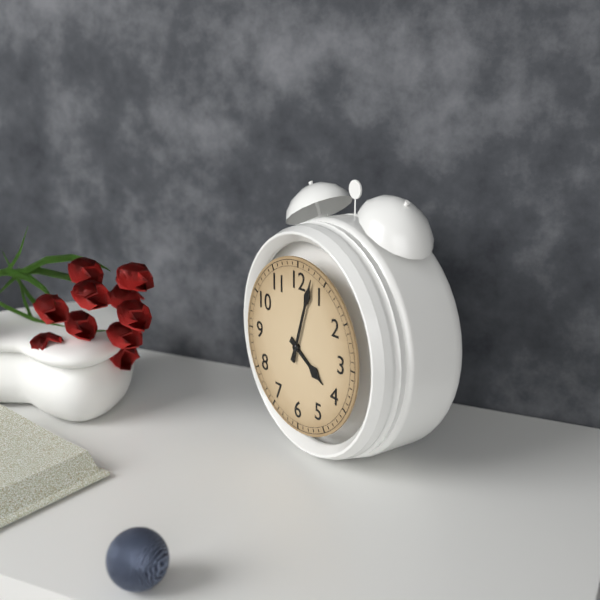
{"hour": 4, "minute": 3}
